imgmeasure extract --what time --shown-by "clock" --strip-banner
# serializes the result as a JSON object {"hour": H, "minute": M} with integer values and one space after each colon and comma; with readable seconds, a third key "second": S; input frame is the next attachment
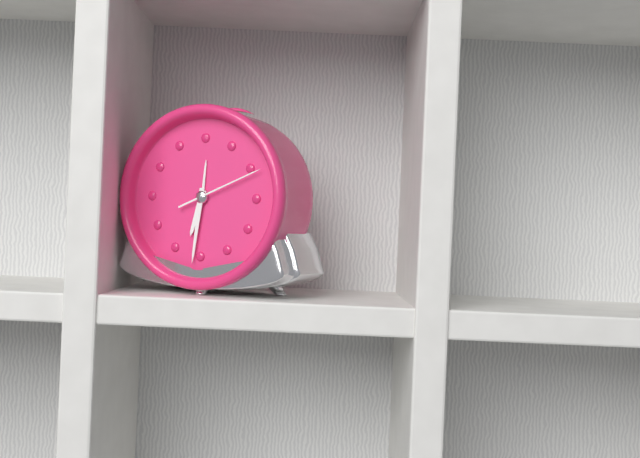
{"hour": 6, "minute": 31, "second": 11}
